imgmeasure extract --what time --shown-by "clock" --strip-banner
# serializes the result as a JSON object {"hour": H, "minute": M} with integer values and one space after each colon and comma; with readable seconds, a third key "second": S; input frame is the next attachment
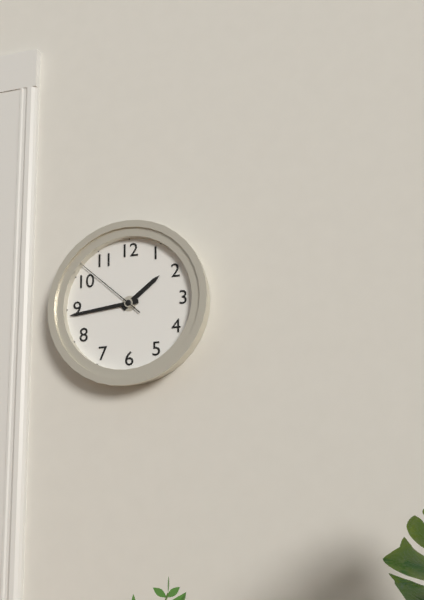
{"hour": 1, "minute": 44, "second": 52}
